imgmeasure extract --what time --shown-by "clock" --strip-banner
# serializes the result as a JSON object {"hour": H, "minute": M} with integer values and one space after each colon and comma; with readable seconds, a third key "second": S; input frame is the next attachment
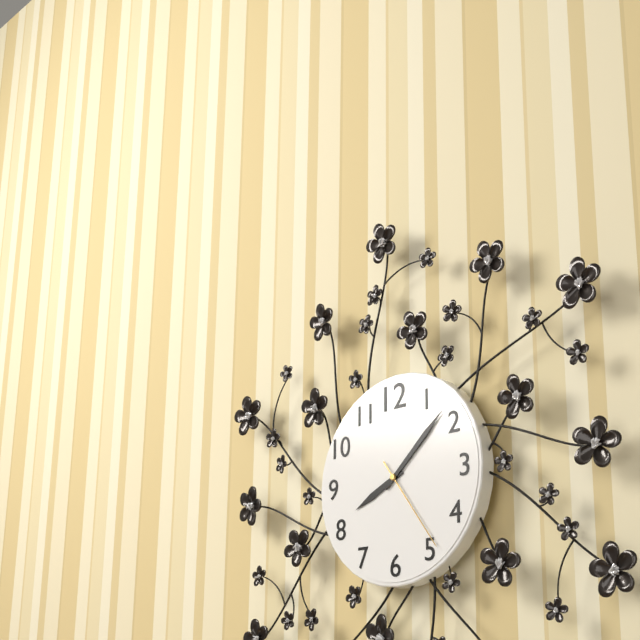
{"hour": 8, "minute": 8, "second": 24}
